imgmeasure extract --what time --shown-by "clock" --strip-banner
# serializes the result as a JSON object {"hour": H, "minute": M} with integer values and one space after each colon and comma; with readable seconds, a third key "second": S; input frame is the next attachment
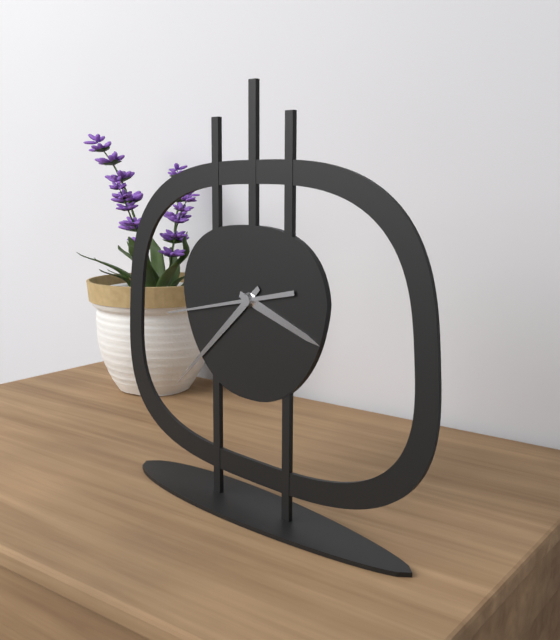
{"hour": 3, "minute": 38, "second": 43}
